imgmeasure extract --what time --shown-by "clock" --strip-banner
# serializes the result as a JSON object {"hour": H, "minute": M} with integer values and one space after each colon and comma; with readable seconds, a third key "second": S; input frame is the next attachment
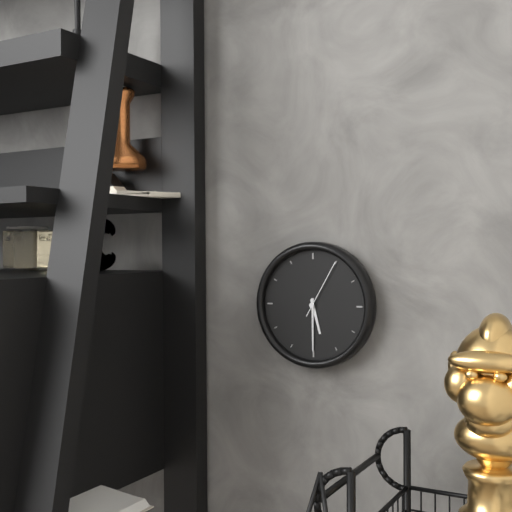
{"hour": 5, "minute": 30, "second": 5}
